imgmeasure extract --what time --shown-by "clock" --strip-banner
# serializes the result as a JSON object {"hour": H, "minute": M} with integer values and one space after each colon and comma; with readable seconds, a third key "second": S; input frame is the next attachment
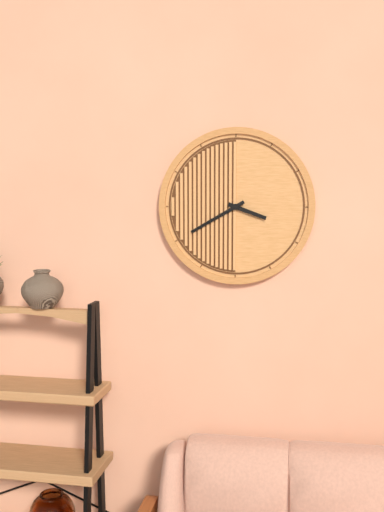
{"hour": 3, "minute": 40}
